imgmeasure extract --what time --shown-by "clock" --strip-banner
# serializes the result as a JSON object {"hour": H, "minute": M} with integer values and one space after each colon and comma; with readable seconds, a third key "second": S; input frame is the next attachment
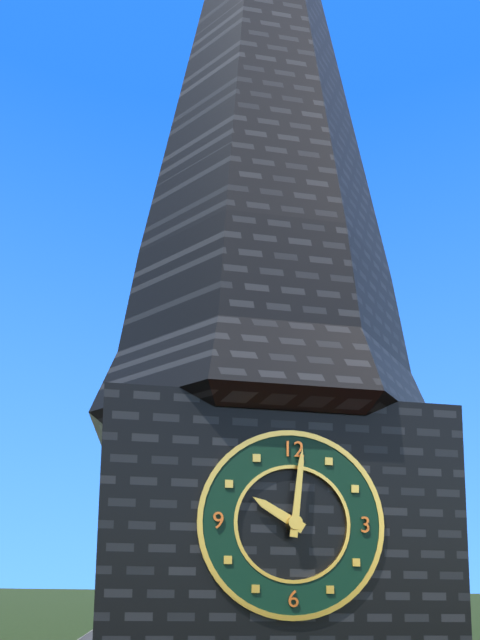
{"hour": 10, "minute": 1}
